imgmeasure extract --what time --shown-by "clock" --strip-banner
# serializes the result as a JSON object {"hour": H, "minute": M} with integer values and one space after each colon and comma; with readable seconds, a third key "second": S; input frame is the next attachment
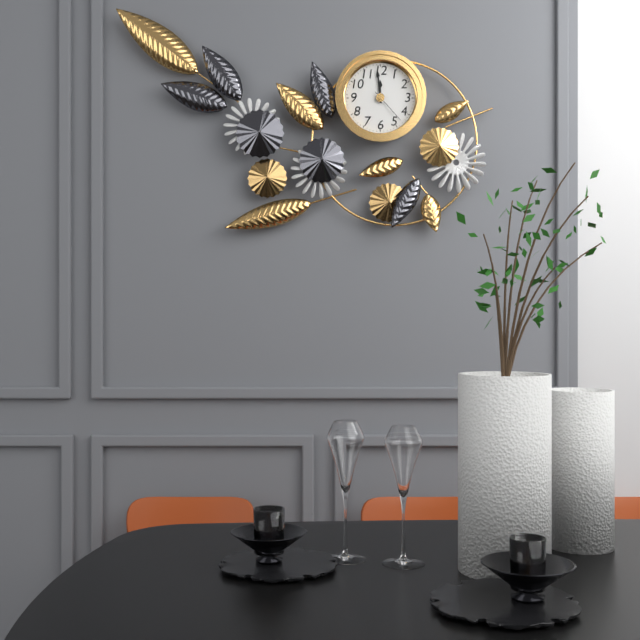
{"hour": 11, "minute": 59}
